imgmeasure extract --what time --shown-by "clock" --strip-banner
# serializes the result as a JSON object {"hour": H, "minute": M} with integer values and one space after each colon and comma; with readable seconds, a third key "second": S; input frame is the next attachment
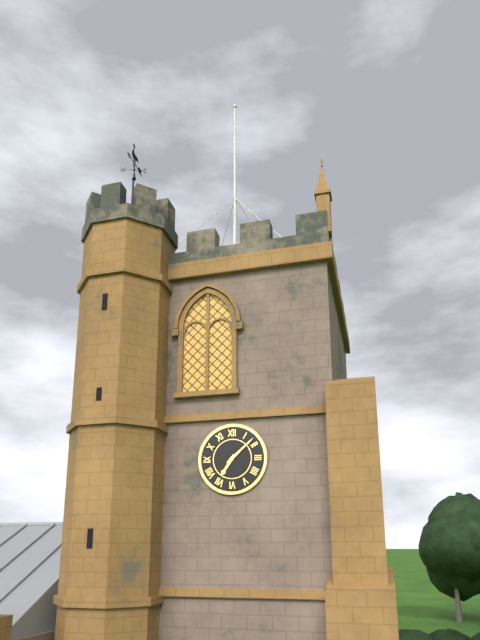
{"hour": 7, "minute": 8}
